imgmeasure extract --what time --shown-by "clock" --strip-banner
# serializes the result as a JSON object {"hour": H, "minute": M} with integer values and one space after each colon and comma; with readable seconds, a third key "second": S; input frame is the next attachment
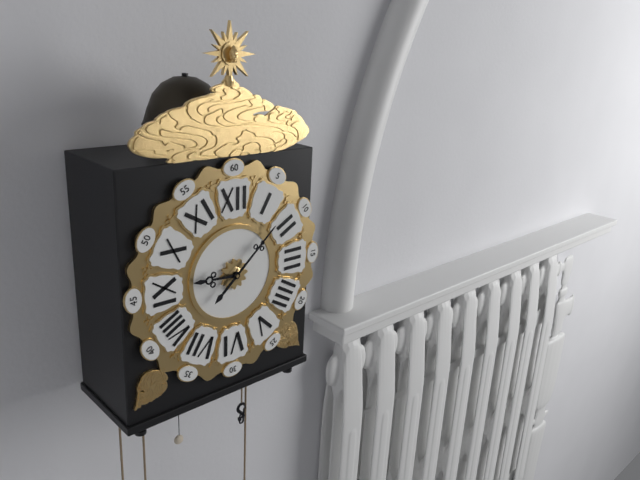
{"hour": 9, "minute": 8}
